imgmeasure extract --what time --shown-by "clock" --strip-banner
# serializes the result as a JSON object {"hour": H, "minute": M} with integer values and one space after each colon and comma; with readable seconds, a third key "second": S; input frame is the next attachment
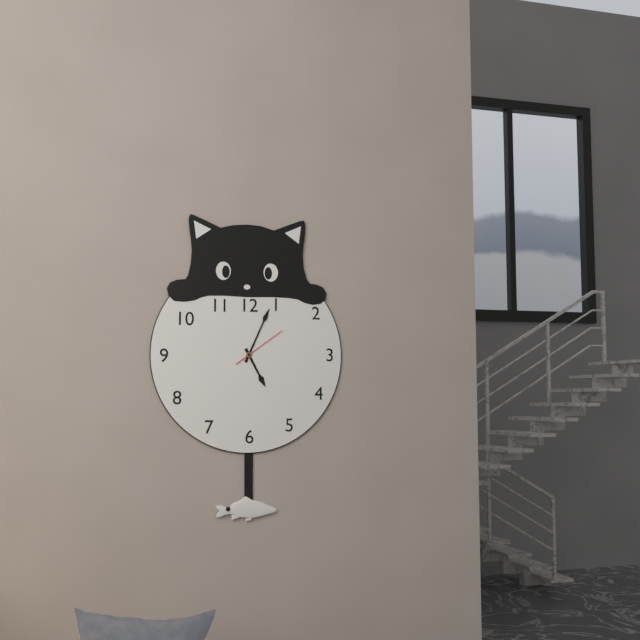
{"hour": 5, "minute": 4, "second": 9}
